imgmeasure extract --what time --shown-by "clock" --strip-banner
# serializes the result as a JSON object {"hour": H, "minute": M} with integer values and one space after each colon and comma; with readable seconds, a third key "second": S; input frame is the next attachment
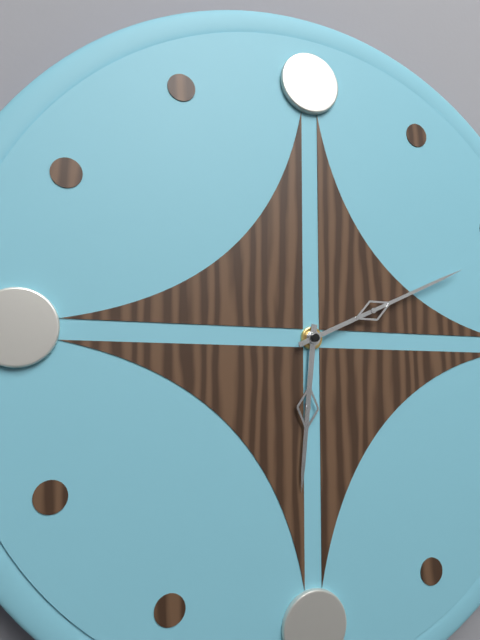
{"hour": 6, "minute": 11}
